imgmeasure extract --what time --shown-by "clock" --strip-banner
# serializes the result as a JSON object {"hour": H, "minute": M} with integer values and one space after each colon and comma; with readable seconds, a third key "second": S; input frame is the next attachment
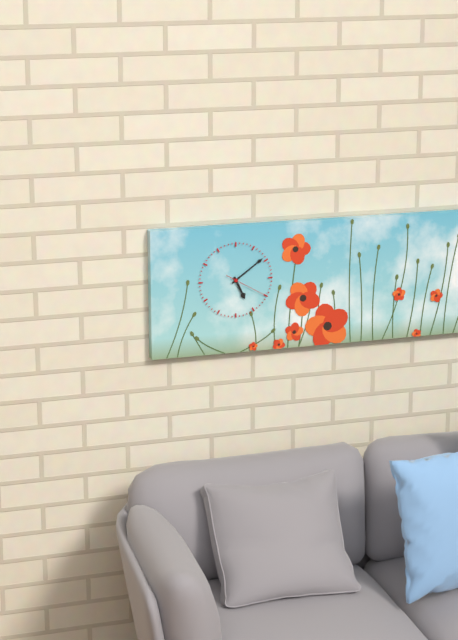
{"hour": 5, "minute": 9}
